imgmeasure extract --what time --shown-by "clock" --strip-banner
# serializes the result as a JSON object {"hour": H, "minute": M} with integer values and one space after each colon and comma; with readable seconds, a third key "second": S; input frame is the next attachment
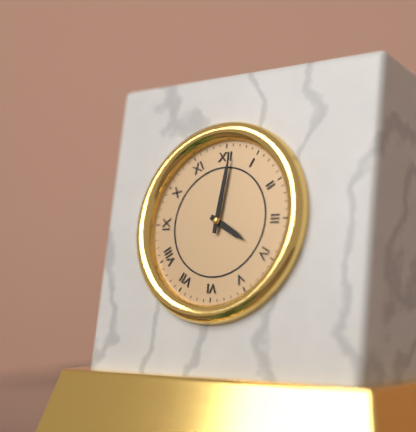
{"hour": 4, "minute": 1}
